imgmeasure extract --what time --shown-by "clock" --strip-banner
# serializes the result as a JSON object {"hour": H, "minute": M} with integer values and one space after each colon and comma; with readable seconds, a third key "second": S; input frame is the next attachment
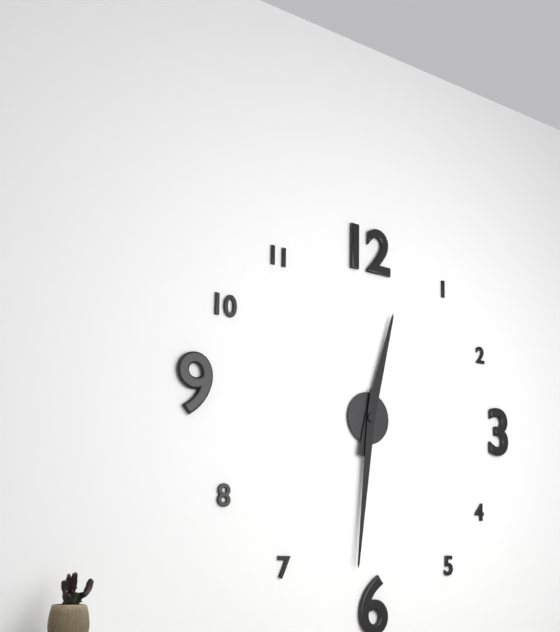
{"hour": 12, "minute": 31}
